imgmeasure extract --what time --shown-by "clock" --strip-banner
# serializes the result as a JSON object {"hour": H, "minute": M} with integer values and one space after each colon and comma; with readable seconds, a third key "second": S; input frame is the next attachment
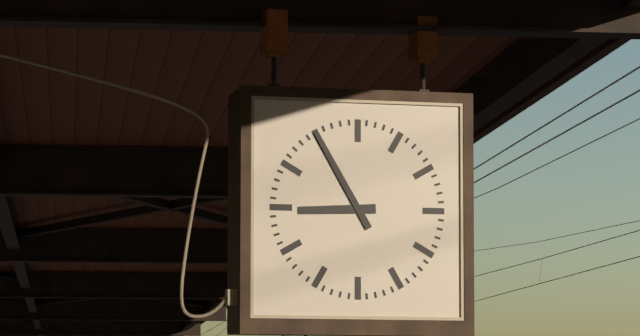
{"hour": 8, "minute": 55}
